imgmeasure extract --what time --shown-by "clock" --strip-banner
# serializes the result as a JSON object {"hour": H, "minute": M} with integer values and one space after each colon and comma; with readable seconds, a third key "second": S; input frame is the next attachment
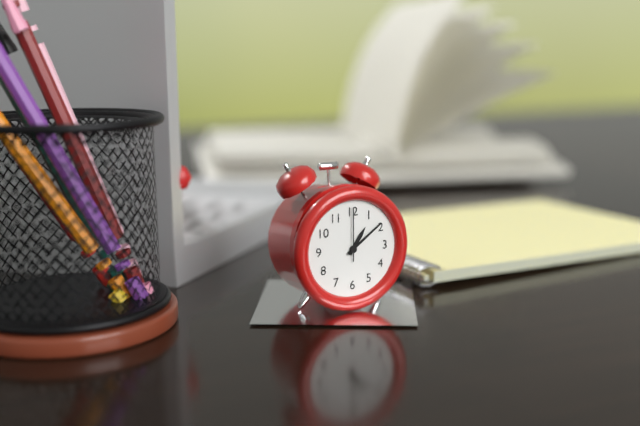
{"hour": 1, "minute": 9, "second": 0}
